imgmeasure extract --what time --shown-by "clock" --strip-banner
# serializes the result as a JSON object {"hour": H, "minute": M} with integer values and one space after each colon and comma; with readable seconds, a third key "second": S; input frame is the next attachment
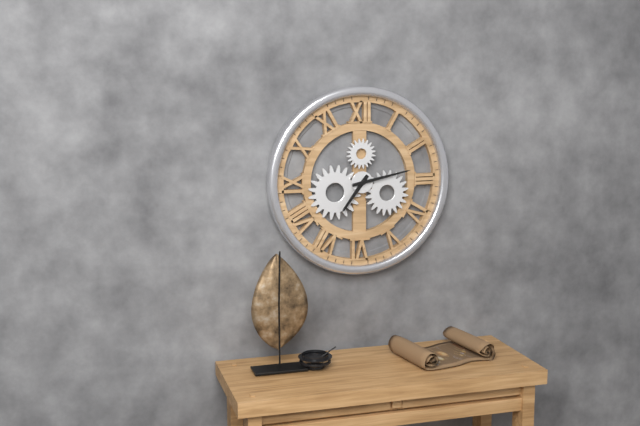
{"hour": 7, "minute": 13}
